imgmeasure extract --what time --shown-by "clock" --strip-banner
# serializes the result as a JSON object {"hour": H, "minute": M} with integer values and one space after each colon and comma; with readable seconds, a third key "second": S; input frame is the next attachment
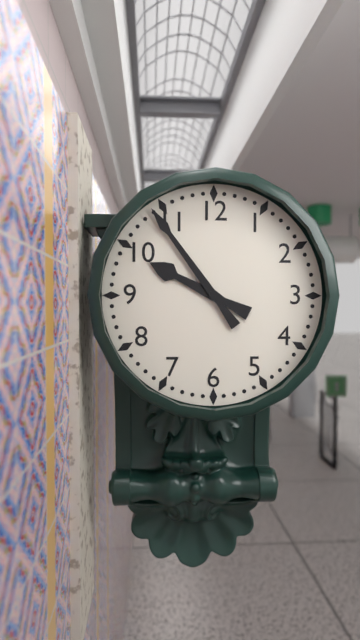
{"hour": 9, "minute": 54}
